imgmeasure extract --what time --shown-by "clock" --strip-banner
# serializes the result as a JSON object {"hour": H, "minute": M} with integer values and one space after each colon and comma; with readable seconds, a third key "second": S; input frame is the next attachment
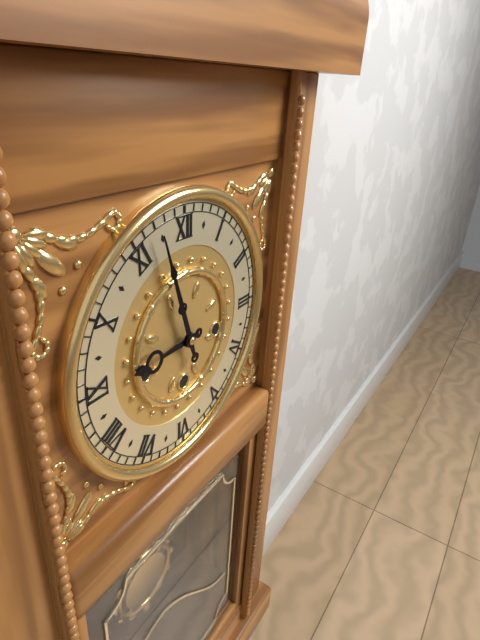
{"hour": 8, "minute": 57}
